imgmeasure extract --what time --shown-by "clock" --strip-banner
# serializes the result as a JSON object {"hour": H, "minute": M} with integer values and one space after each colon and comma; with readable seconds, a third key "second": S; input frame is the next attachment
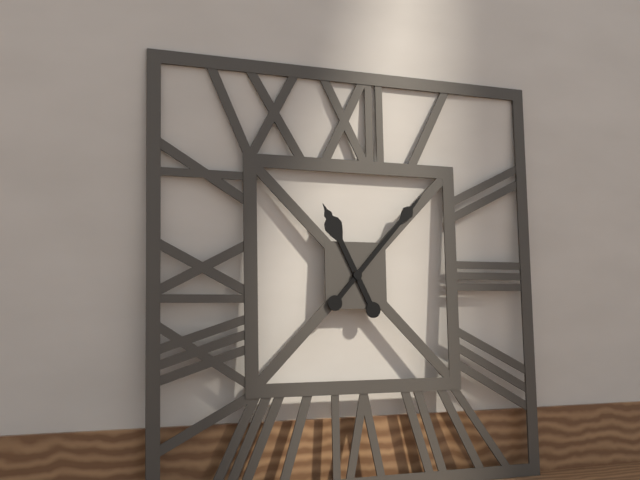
{"hour": 11, "minute": 7}
